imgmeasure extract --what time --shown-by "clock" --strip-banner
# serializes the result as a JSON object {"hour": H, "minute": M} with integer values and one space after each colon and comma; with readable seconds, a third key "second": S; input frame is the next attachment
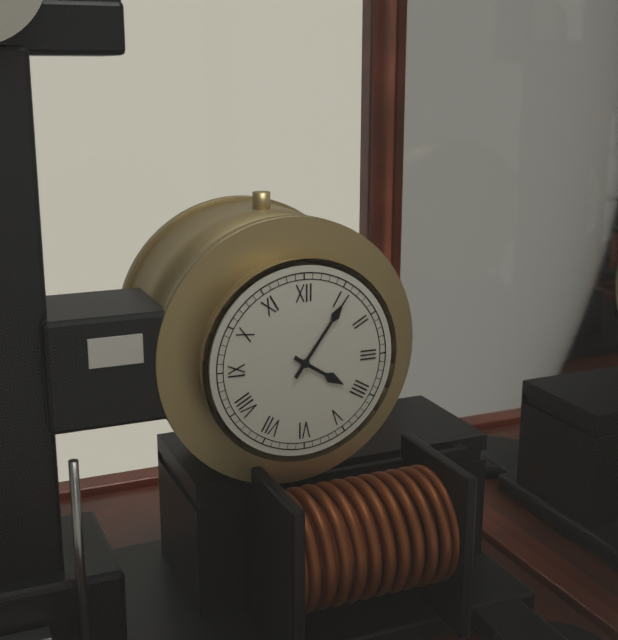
{"hour": 4, "minute": 6}
